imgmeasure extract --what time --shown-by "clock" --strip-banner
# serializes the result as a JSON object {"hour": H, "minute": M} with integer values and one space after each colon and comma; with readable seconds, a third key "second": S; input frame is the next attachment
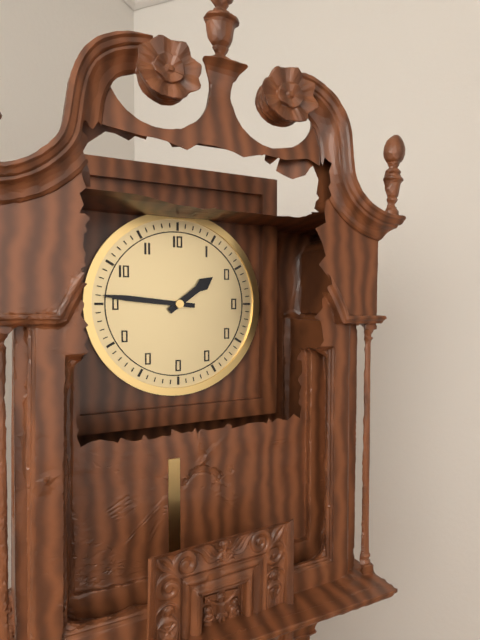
{"hour": 1, "minute": 46}
